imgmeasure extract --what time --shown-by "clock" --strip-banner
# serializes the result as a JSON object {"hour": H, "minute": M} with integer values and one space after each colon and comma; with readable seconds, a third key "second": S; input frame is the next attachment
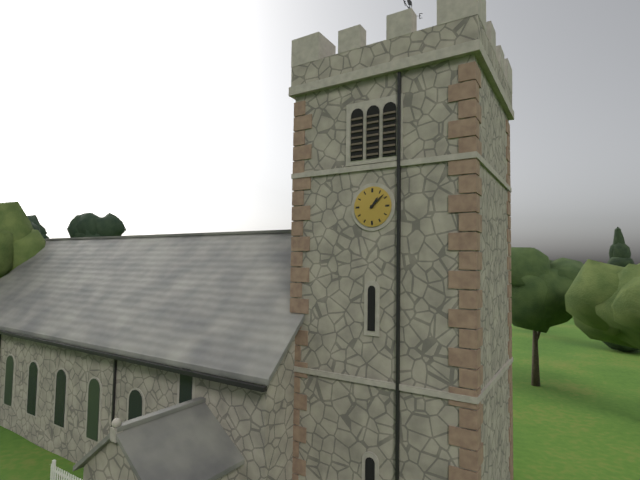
{"hour": 1, "minute": 8}
